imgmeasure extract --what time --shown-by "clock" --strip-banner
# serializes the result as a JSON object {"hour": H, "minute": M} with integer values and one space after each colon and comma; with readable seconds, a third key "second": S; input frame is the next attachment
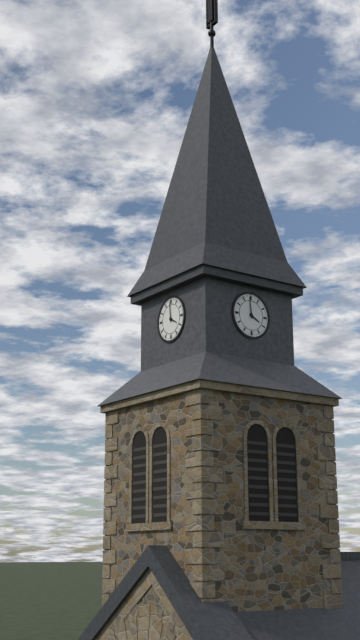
{"hour": 3, "minute": 59}
